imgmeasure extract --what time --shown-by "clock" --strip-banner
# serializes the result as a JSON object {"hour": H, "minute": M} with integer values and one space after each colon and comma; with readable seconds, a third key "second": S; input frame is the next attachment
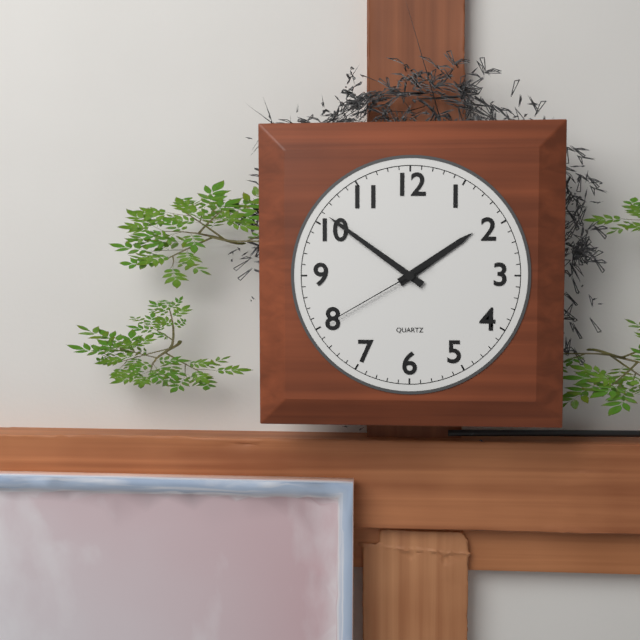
{"hour": 1, "minute": 51, "second": 40}
